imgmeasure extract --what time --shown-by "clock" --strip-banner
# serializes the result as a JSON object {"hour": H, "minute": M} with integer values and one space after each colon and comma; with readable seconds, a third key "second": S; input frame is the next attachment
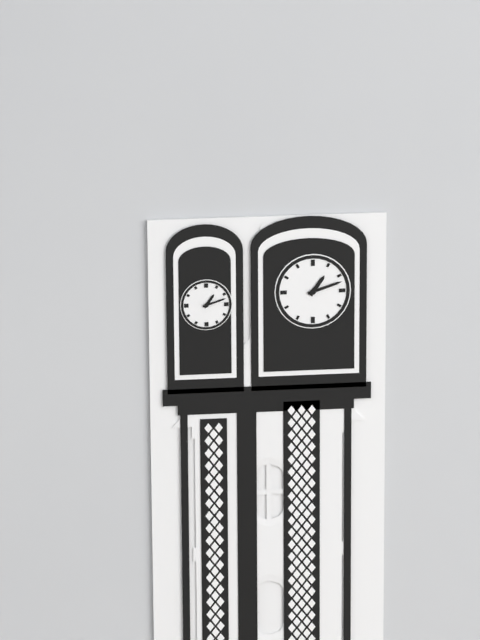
{"hour": 1, "minute": 12}
